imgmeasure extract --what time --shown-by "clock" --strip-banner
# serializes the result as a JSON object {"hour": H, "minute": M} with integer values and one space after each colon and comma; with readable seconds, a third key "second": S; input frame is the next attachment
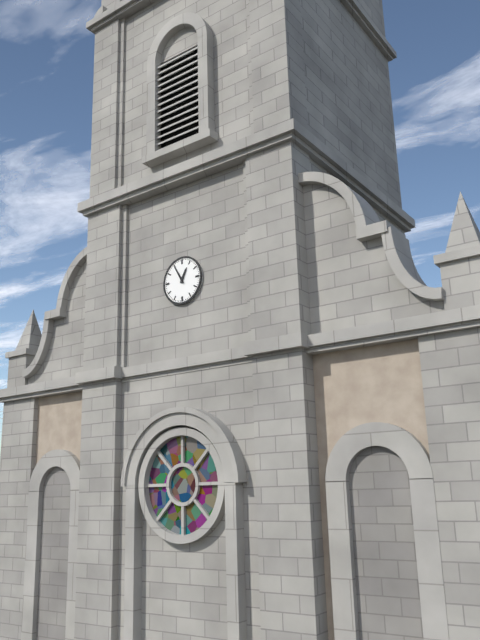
{"hour": 12, "minute": 55}
